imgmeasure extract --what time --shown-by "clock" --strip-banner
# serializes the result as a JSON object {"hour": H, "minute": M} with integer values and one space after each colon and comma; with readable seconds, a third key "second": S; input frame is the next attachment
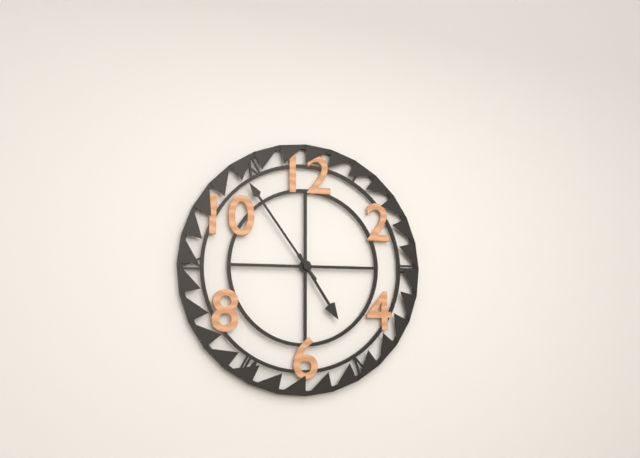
{"hour": 4, "minute": 54}
